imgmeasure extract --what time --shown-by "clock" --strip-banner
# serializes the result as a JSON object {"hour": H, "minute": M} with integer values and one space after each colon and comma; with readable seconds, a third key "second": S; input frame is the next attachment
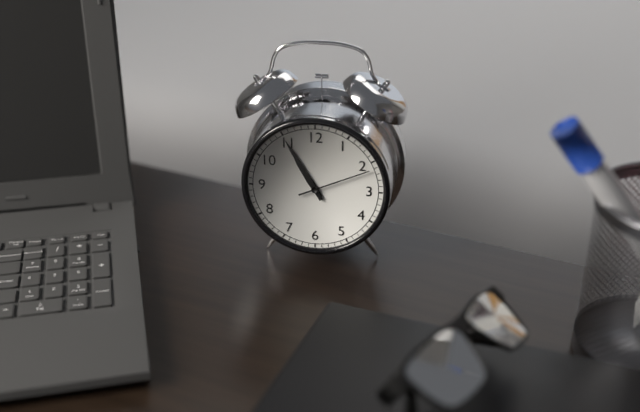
{"hour": 10, "minute": 55, "second": 11}
